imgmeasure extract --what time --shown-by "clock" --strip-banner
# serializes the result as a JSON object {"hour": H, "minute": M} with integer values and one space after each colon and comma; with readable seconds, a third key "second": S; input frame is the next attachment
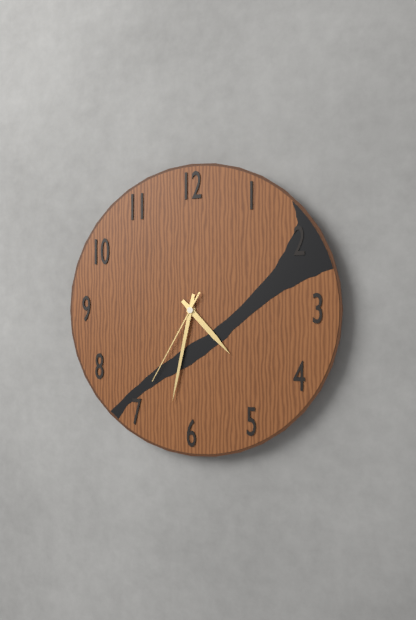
{"hour": 4, "minute": 32, "second": 35}
